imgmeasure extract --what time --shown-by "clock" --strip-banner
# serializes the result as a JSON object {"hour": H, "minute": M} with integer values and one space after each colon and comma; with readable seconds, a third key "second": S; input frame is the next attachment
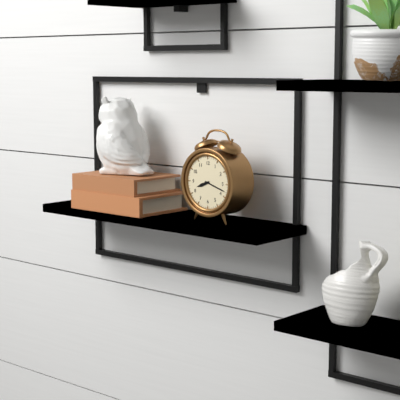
{"hour": 8, "minute": 18}
